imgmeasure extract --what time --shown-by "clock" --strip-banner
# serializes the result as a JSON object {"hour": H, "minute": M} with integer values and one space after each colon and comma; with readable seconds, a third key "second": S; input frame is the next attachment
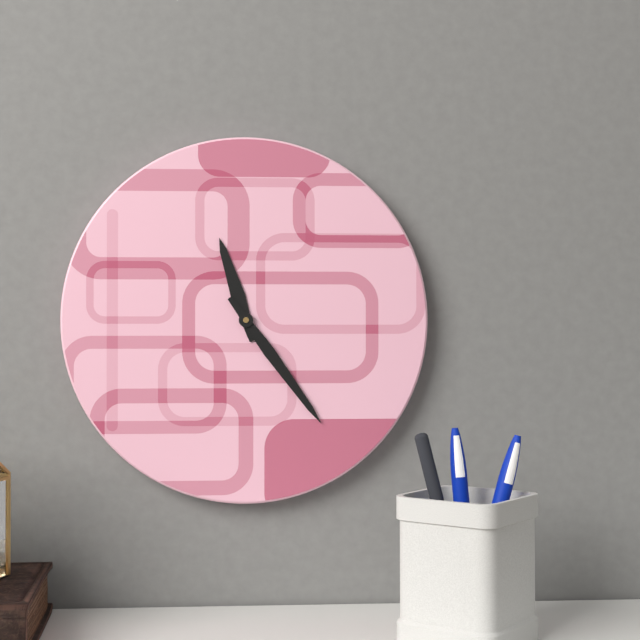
{"hour": 11, "minute": 24}
